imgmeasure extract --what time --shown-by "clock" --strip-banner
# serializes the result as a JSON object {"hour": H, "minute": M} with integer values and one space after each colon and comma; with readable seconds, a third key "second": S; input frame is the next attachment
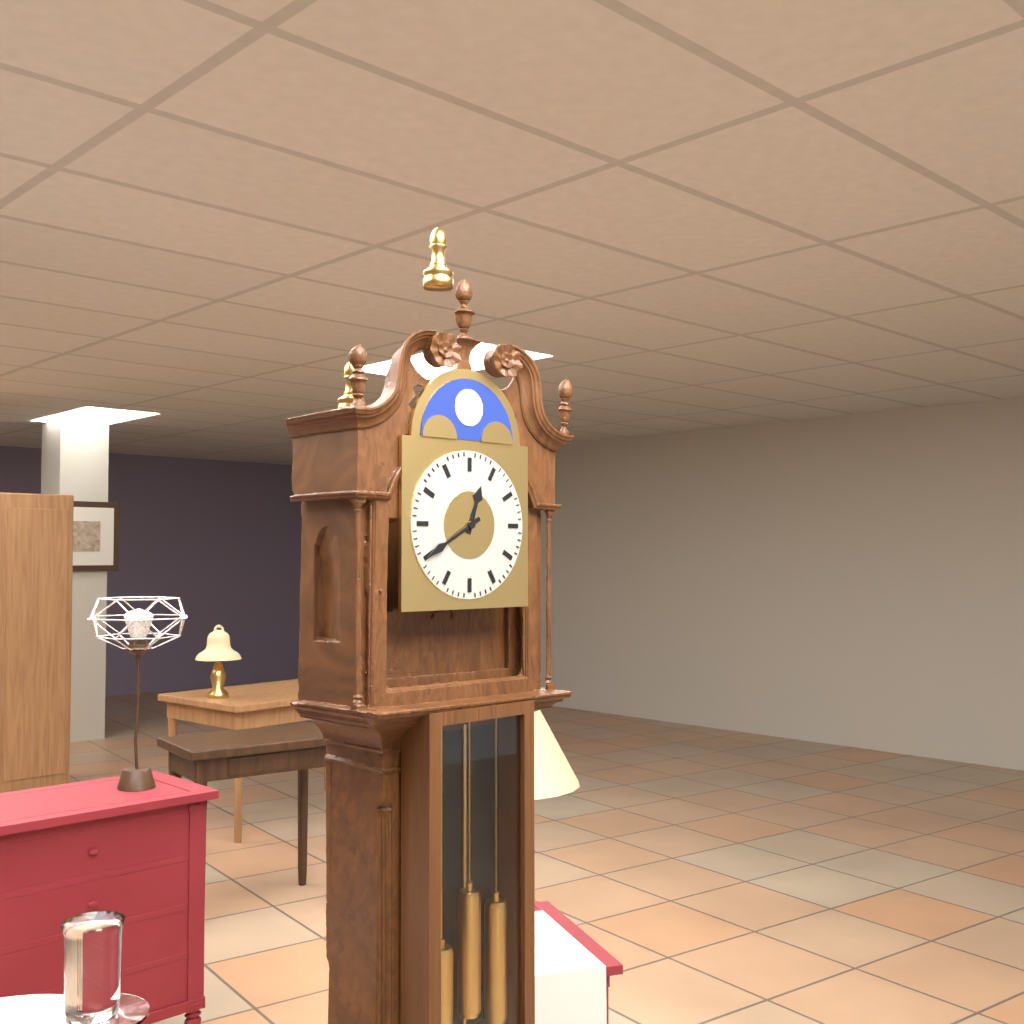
{"hour": 12, "minute": 40}
